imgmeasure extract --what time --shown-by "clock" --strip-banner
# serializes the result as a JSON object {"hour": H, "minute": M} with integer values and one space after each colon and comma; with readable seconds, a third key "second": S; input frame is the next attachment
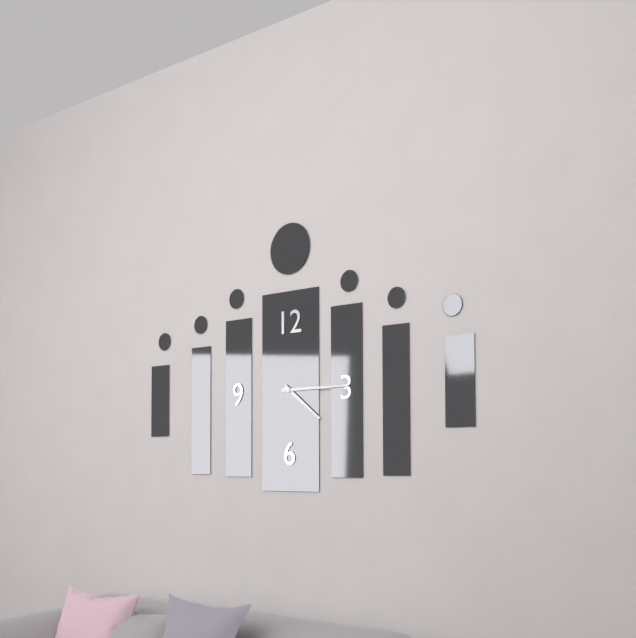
{"hour": 4, "minute": 15}
